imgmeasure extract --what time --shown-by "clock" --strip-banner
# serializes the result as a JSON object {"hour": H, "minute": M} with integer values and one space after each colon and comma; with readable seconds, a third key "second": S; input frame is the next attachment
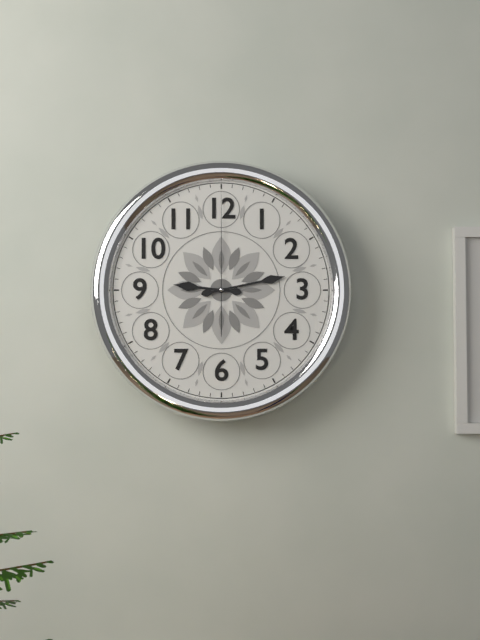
{"hour": 9, "minute": 13, "second": 0}
